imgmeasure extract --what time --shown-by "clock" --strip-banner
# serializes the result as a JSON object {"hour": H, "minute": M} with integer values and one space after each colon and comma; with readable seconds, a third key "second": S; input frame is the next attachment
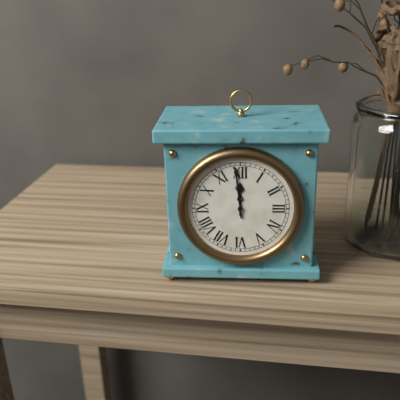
{"hour": 11, "minute": 59}
